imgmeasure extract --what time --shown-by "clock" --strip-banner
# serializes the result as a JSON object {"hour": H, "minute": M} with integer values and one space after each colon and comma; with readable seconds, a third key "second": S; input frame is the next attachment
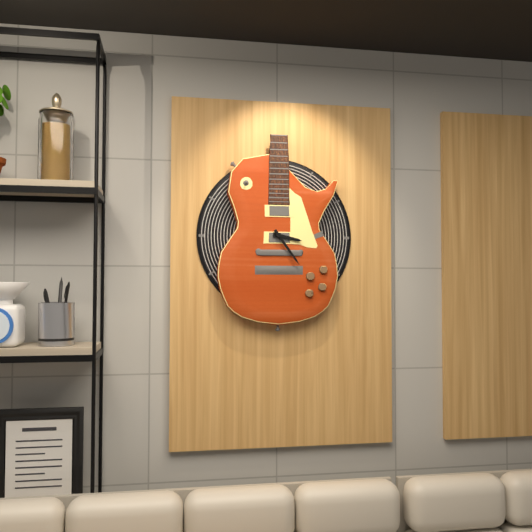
{"hour": 3, "minute": 24}
